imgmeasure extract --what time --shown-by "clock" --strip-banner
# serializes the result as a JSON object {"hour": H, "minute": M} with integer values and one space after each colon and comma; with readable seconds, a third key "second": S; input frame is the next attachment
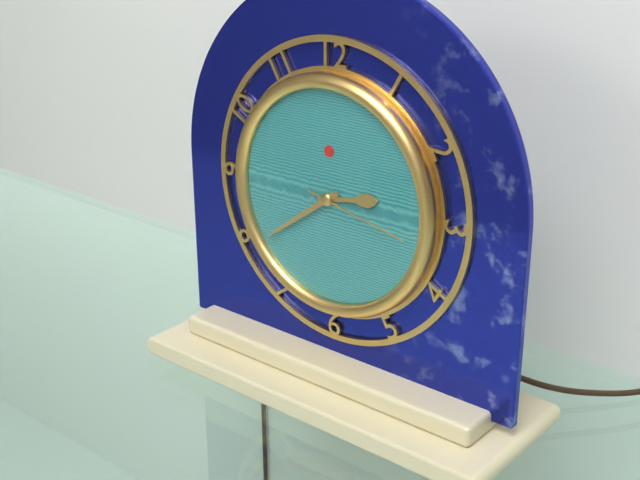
{"hour": 2, "minute": 39, "second": 17}
